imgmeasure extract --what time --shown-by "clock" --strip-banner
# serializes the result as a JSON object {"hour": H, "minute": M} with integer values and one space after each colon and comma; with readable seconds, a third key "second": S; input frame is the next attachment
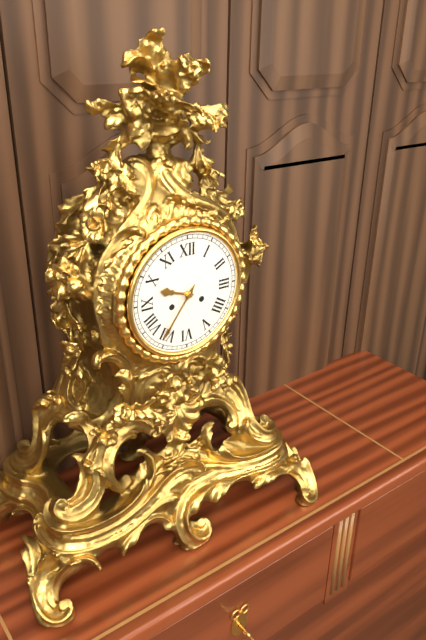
{"hour": 9, "minute": 36}
